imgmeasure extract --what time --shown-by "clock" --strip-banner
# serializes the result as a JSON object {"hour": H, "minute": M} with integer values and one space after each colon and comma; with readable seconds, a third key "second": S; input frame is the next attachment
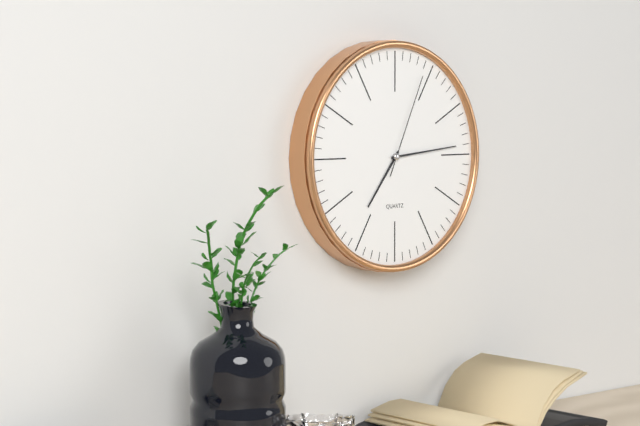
{"hour": 7, "minute": 14, "second": 4}
